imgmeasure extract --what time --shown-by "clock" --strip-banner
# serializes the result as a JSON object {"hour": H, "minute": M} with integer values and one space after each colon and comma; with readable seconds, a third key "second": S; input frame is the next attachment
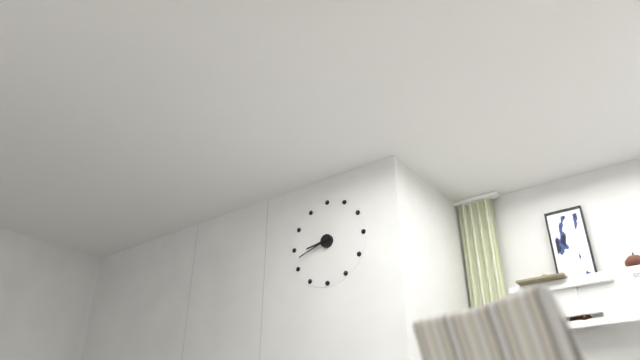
{"hour": 8, "minute": 42}
